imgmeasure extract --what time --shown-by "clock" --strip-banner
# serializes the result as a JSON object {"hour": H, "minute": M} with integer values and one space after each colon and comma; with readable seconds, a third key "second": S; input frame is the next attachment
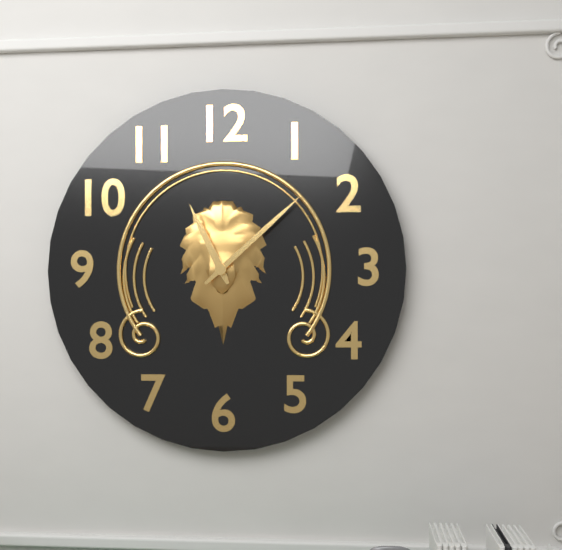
{"hour": 11, "minute": 8}
